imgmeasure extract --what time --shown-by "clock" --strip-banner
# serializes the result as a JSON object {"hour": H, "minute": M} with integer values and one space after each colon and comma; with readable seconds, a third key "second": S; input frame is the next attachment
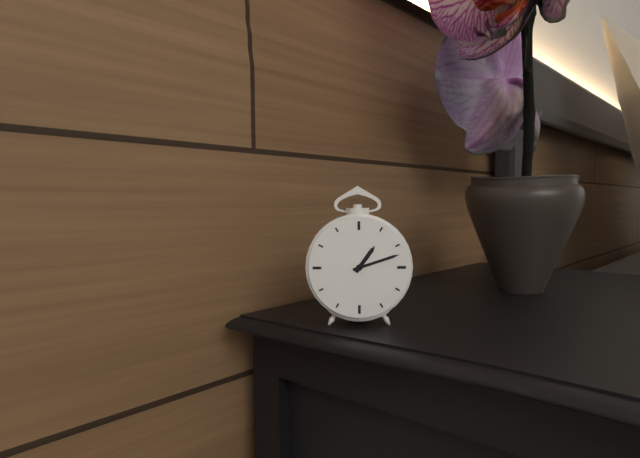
{"hour": 1, "minute": 12}
